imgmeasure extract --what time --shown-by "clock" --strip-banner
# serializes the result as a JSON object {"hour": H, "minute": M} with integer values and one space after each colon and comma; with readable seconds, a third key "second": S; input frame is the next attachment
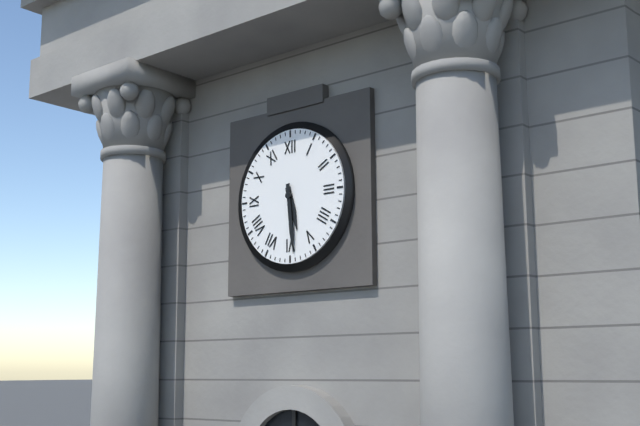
{"hour": 5, "minute": 29}
